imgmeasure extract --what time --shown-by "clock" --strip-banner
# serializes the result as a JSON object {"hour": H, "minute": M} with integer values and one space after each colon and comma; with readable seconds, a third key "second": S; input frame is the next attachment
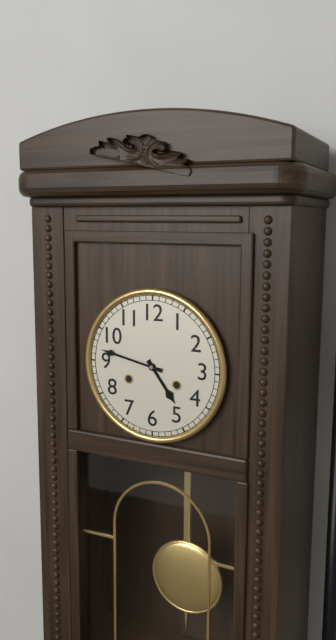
{"hour": 4, "minute": 47}
